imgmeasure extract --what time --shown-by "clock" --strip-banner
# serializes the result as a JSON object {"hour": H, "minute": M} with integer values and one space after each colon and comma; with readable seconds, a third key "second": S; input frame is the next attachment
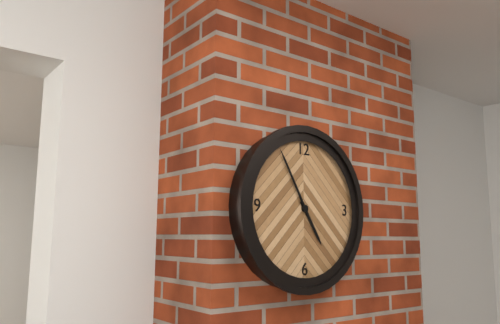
{"hour": 4, "minute": 55}
